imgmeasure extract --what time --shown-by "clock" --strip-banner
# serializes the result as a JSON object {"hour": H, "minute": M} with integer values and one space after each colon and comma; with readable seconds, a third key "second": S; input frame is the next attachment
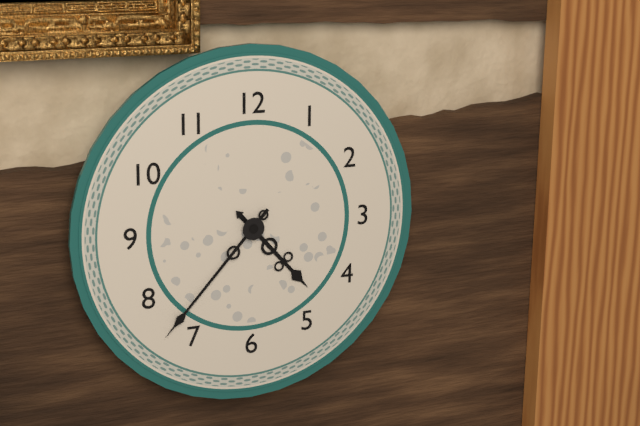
{"hour": 4, "minute": 37}
